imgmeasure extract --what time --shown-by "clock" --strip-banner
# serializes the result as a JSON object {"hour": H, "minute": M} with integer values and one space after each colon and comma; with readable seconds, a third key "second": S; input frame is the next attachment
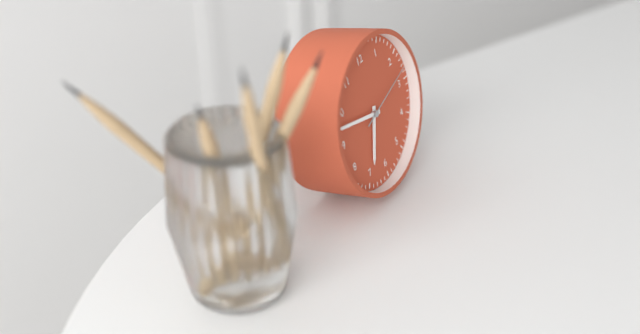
{"hour": 6, "minute": 48, "second": 13}
